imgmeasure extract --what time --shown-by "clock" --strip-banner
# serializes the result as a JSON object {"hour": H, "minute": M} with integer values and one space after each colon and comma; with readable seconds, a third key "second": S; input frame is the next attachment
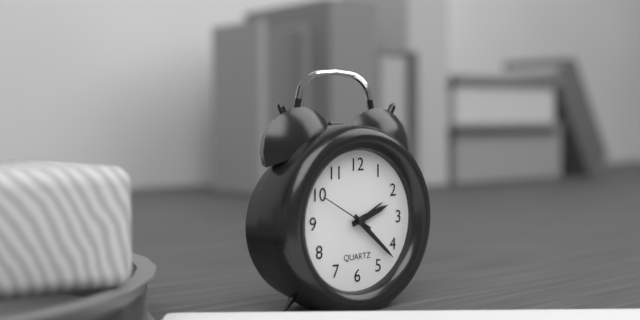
{"hour": 2, "minute": 22, "second": 50}
